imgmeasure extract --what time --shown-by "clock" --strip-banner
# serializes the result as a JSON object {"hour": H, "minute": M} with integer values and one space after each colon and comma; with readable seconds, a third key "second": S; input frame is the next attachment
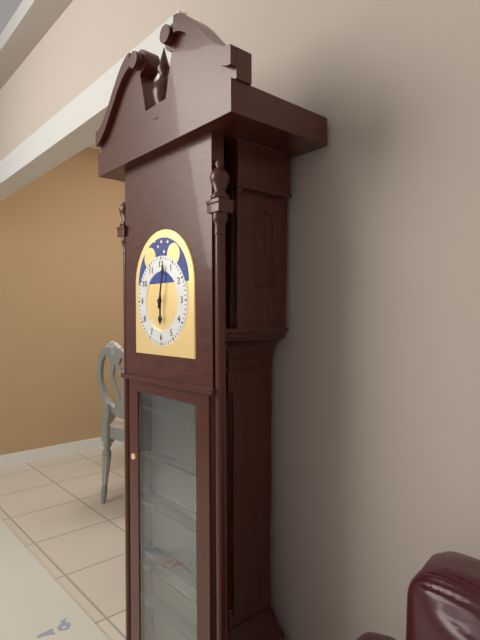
{"hour": 6, "minute": 2}
